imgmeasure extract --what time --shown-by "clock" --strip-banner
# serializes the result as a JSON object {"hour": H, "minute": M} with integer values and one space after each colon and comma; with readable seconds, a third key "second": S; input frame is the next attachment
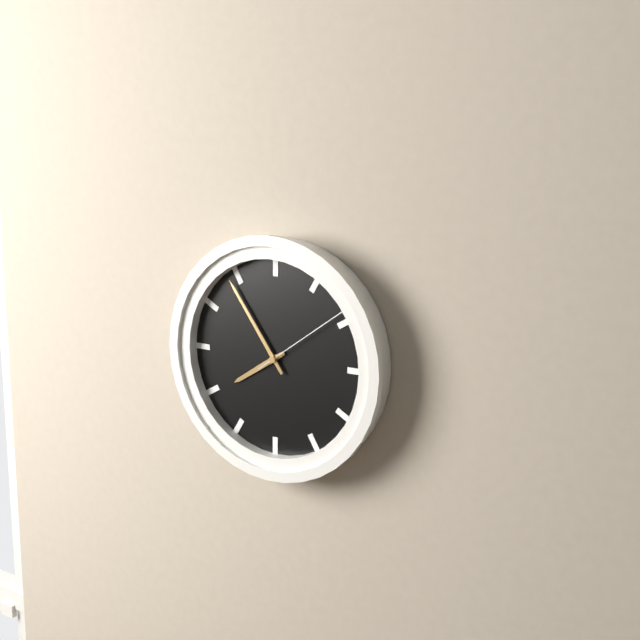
{"hour": 7, "minute": 54, "second": 9}
